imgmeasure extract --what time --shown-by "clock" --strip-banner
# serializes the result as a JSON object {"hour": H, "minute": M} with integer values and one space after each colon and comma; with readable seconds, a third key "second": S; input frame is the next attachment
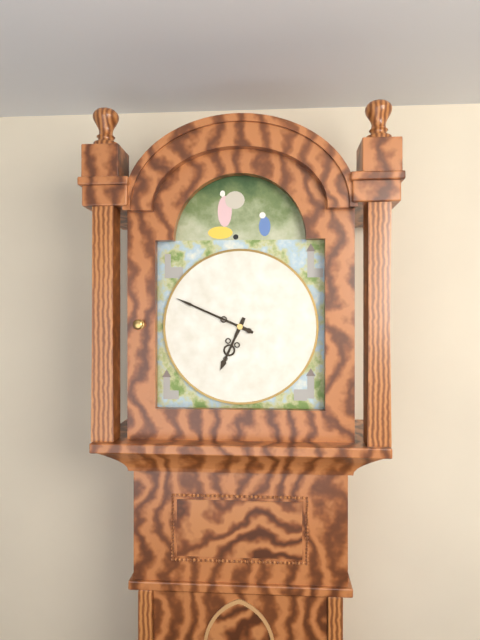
{"hour": 6, "minute": 49}
